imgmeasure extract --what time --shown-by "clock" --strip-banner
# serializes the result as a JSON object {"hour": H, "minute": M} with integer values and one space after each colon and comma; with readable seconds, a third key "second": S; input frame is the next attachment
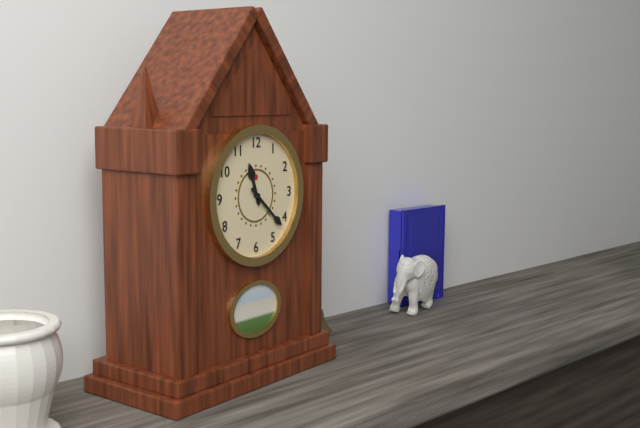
{"hour": 11, "minute": 22}
